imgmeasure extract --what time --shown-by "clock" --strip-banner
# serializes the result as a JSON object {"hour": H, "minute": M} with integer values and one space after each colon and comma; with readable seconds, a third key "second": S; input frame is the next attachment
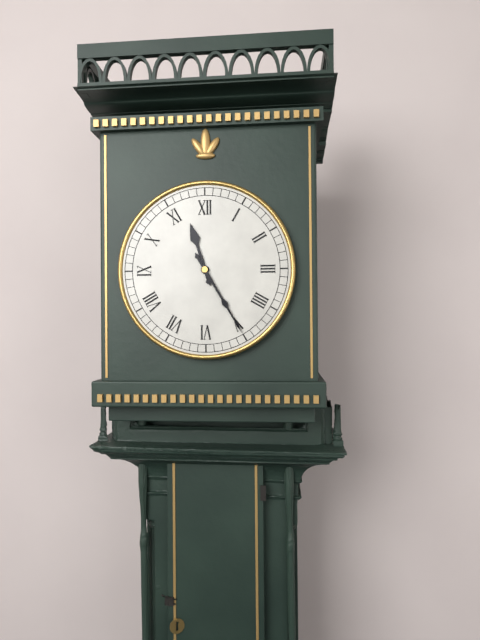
{"hour": 11, "minute": 25}
